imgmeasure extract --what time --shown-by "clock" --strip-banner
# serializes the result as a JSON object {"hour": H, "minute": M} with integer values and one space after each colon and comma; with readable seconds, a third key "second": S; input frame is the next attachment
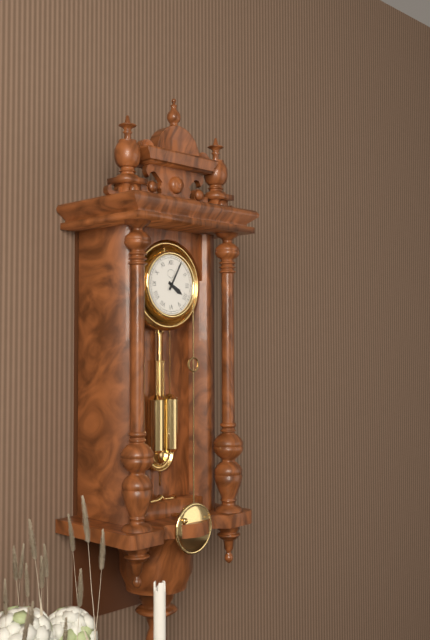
{"hour": 4, "minute": 5}
